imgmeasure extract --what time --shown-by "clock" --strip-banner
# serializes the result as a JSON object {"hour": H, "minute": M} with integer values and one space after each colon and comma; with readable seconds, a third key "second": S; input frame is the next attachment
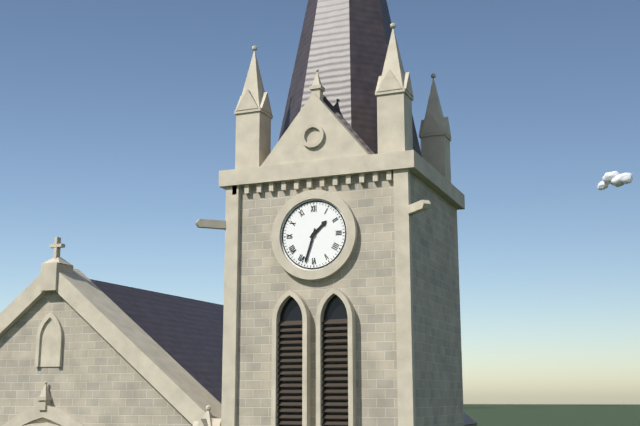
{"hour": 1, "minute": 33}
